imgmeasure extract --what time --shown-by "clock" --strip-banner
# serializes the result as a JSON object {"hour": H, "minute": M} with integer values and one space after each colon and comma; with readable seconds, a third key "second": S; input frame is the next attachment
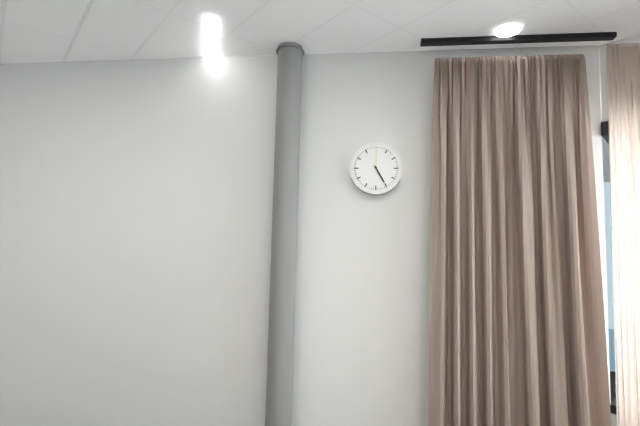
{"hour": 5, "minute": 0}
